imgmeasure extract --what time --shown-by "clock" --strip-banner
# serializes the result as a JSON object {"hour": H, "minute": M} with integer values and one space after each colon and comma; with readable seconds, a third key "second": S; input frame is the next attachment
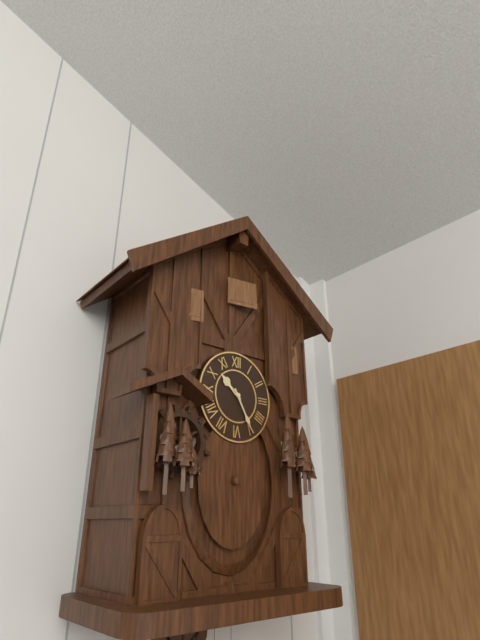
{"hour": 10, "minute": 25}
